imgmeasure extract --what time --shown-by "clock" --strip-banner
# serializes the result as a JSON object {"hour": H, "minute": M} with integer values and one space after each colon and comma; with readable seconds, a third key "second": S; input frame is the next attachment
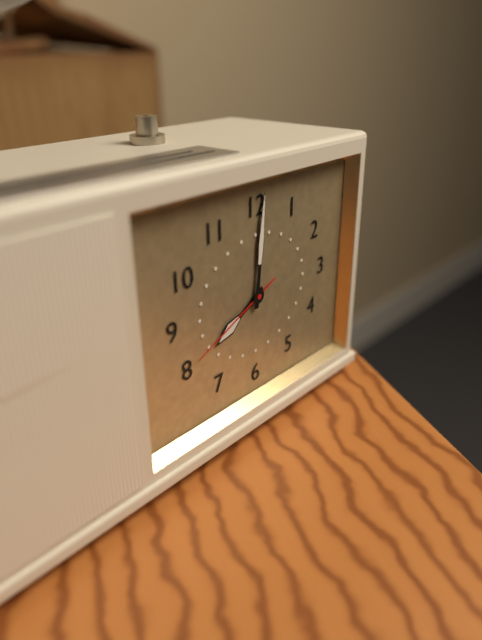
{"hour": 8, "minute": 1, "second": 41}
